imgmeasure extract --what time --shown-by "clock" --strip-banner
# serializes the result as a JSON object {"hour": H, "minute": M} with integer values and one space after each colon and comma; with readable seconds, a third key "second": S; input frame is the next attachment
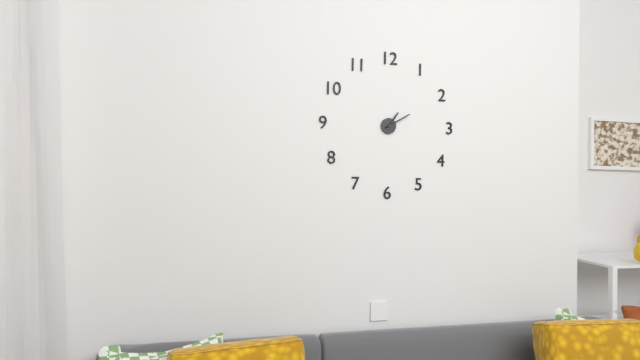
{"hour": 1, "minute": 10}
